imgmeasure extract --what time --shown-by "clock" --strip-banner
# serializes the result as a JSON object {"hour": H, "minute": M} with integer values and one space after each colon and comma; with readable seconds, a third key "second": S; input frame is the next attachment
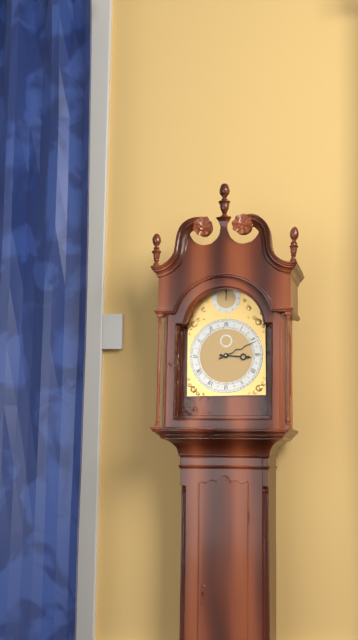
{"hour": 3, "minute": 11}
